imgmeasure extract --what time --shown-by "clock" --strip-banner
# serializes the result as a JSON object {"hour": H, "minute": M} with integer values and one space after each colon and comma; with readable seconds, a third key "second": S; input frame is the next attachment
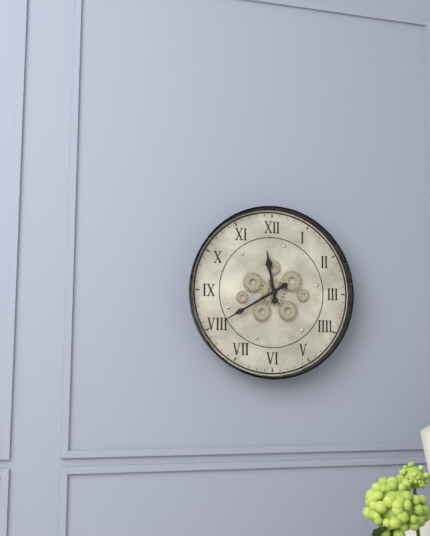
{"hour": 11, "minute": 40}
